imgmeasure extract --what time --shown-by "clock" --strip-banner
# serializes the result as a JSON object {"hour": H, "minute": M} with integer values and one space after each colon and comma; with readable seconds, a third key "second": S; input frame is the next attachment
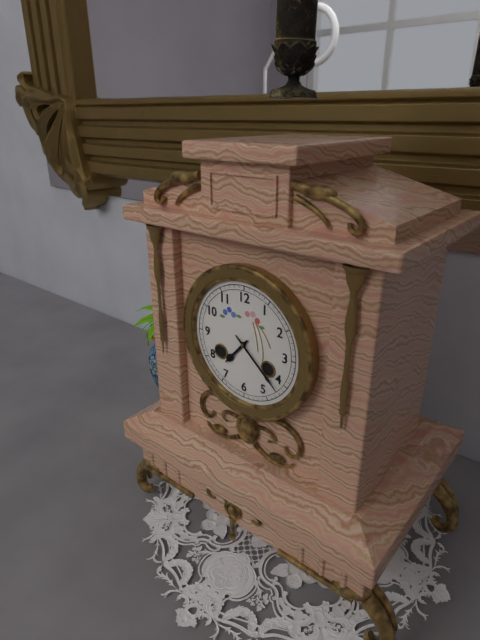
{"hour": 7, "minute": 22}
